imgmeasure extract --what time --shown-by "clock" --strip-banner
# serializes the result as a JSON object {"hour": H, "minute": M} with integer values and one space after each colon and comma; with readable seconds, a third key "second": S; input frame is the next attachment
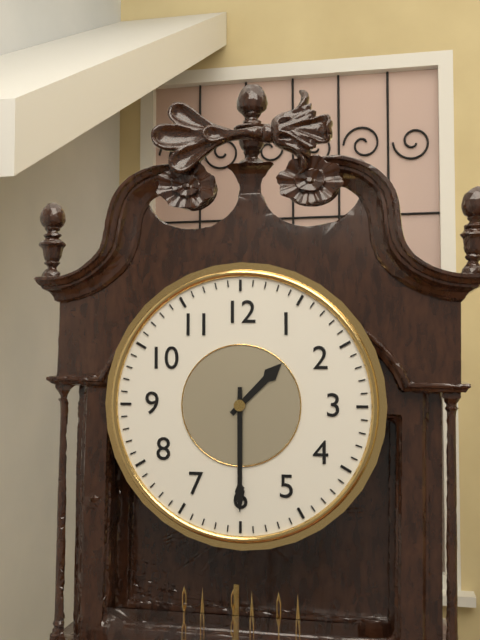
{"hour": 1, "minute": 30}
